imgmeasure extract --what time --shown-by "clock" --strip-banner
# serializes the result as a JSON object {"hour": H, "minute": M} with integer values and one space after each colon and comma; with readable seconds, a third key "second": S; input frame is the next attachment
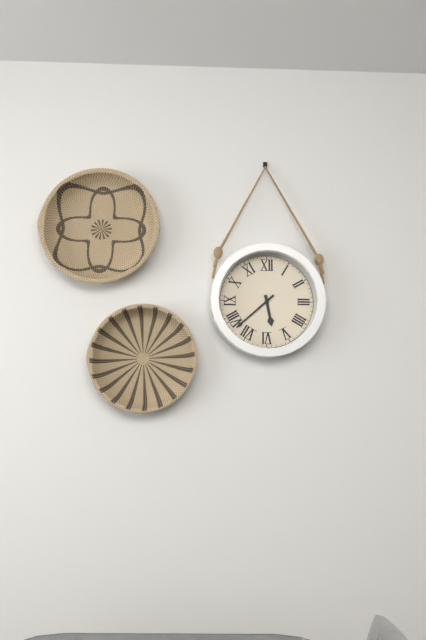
{"hour": 5, "minute": 38}
